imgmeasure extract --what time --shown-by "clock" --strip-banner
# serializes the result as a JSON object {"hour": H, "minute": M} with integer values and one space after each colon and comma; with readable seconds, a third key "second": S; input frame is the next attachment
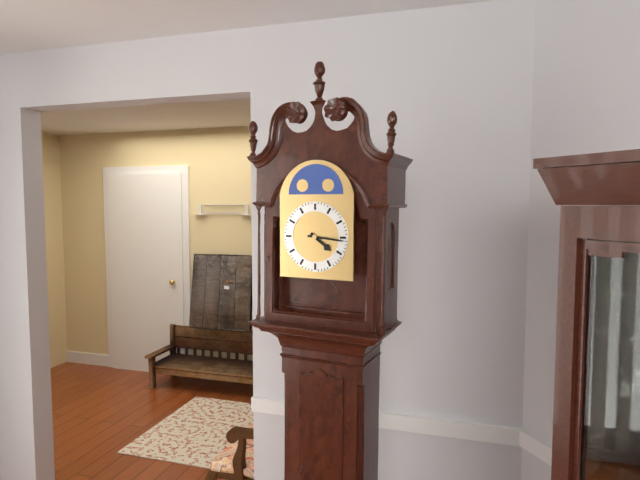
{"hour": 4, "minute": 16}
